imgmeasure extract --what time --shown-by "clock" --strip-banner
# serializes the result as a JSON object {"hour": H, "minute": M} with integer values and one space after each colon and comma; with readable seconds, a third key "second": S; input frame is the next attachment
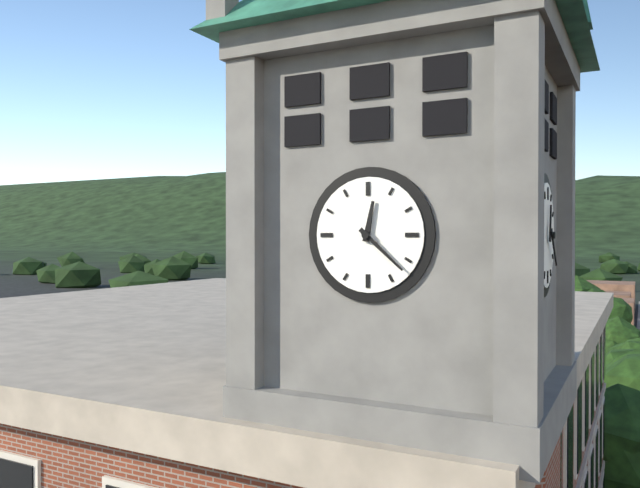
{"hour": 12, "minute": 22}
